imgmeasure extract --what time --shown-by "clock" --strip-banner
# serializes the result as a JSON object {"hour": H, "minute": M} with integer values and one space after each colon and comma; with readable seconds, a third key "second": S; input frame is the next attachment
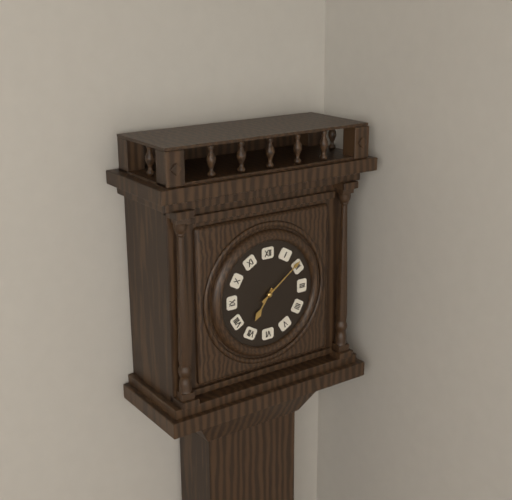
{"hour": 7, "minute": 9}
